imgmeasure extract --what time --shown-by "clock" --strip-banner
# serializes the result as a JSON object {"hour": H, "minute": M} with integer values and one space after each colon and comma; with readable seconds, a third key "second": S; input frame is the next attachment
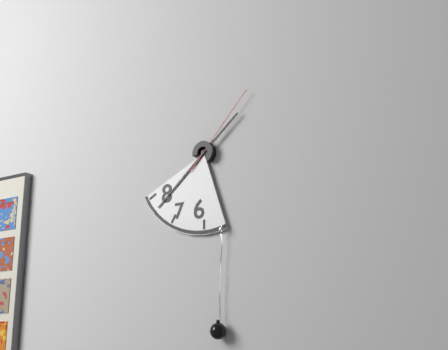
{"hour": 1, "minute": 38, "second": 7}
